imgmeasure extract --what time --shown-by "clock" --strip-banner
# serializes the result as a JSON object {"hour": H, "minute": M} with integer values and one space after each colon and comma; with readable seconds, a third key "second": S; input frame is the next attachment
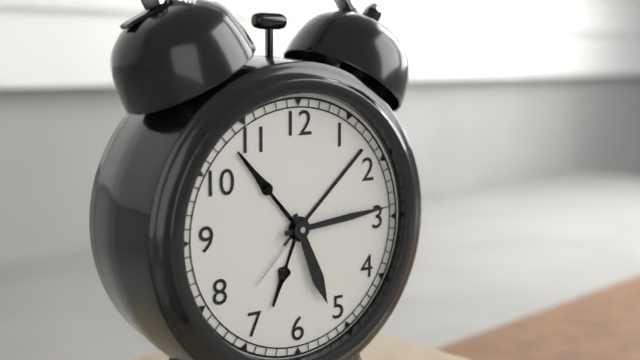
{"hour": 5, "minute": 14}
